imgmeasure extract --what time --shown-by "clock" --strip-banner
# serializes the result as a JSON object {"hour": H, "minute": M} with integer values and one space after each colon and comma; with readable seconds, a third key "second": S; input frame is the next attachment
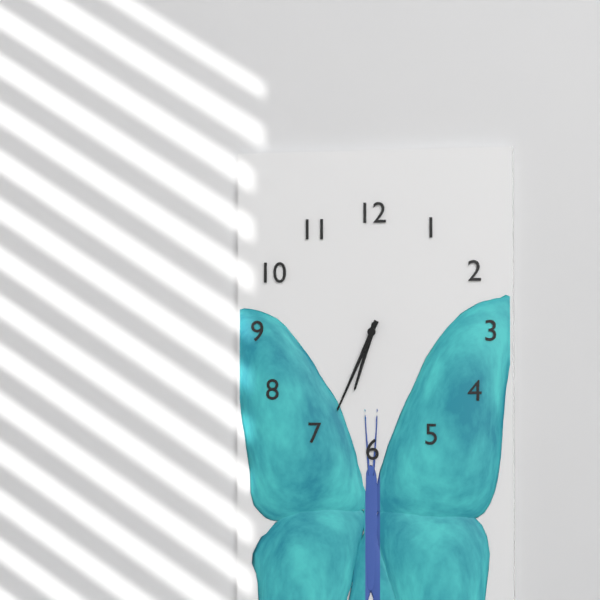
{"hour": 6, "minute": 34}
